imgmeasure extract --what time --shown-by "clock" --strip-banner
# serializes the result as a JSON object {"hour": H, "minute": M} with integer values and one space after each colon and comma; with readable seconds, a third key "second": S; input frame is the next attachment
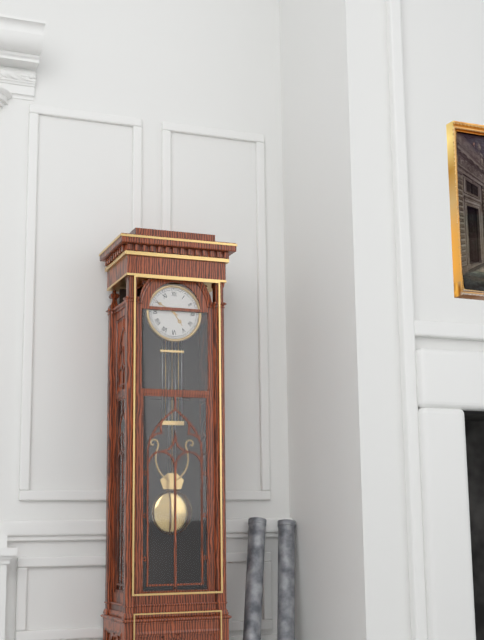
{"hour": 4, "minute": 50}
